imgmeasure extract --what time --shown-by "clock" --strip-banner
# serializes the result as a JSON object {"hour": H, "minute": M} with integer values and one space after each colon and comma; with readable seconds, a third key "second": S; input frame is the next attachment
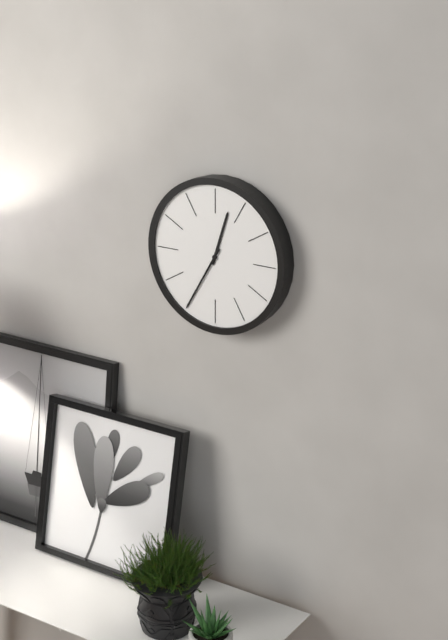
{"hour": 12, "minute": 35}
